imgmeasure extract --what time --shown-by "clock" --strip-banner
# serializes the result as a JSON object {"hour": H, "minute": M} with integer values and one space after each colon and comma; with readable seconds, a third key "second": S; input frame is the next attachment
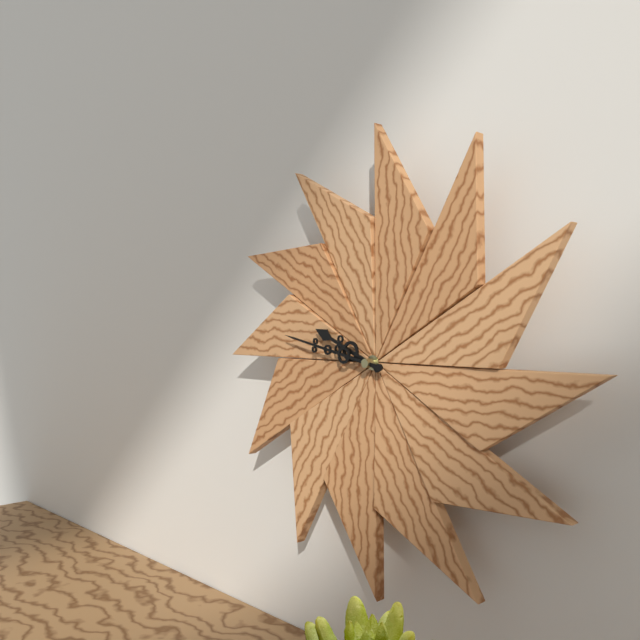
{"hour": 9, "minute": 47}
